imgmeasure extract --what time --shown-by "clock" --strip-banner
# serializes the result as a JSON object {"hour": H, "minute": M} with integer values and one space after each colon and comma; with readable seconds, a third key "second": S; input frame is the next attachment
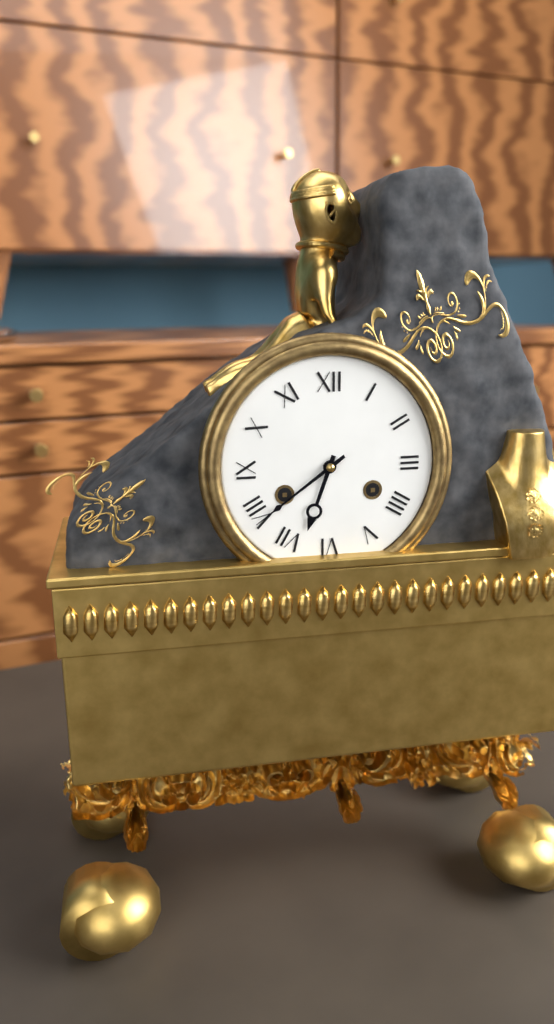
{"hour": 6, "minute": 39}
